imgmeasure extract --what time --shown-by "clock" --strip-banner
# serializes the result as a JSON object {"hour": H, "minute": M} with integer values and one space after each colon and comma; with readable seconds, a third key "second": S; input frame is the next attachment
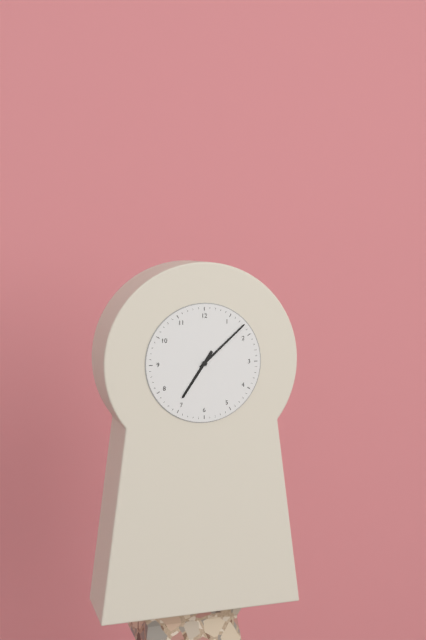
{"hour": 7, "minute": 8}
